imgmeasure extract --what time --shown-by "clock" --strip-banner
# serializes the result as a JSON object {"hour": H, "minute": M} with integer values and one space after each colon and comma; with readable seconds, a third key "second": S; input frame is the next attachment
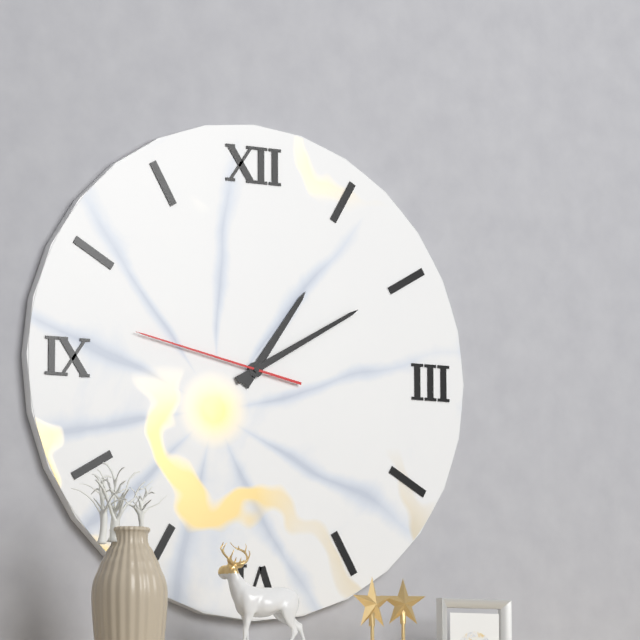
{"hour": 1, "minute": 10, "second": 47}
